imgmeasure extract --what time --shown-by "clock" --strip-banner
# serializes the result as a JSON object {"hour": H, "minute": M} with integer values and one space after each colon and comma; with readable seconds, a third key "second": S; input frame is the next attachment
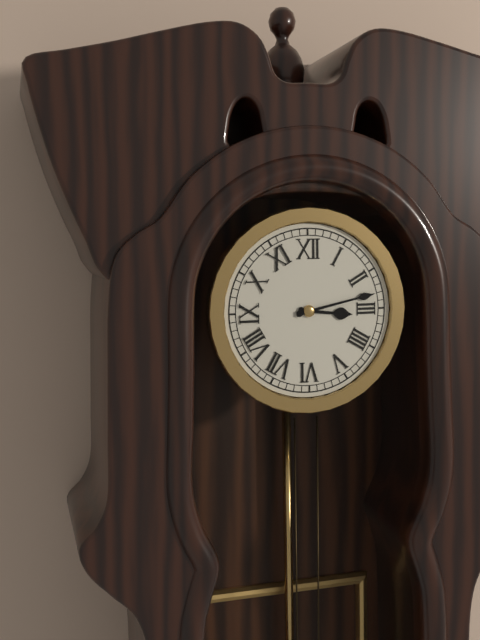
{"hour": 3, "minute": 13}
